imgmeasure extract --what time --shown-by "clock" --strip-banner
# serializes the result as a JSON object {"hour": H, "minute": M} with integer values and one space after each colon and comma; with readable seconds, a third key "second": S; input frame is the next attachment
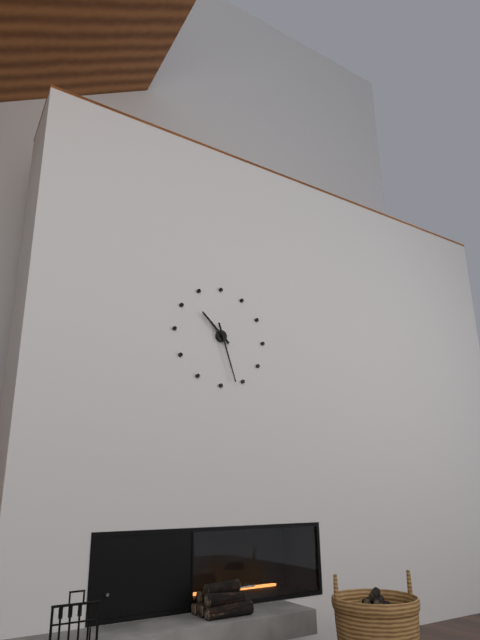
{"hour": 10, "minute": 27}
